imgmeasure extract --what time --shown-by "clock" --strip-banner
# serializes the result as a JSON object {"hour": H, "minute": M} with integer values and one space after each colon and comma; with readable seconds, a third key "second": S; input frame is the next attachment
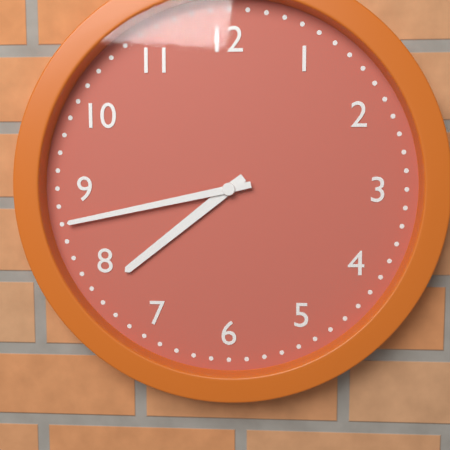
{"hour": 7, "minute": 43}
